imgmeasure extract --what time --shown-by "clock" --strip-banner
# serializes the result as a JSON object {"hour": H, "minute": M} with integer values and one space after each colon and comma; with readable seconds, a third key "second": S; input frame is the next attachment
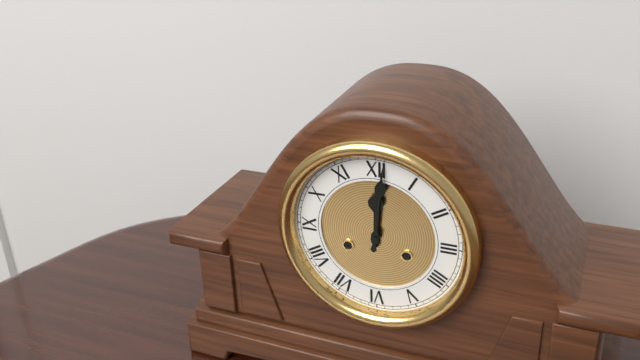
{"hour": 12, "minute": 1}
